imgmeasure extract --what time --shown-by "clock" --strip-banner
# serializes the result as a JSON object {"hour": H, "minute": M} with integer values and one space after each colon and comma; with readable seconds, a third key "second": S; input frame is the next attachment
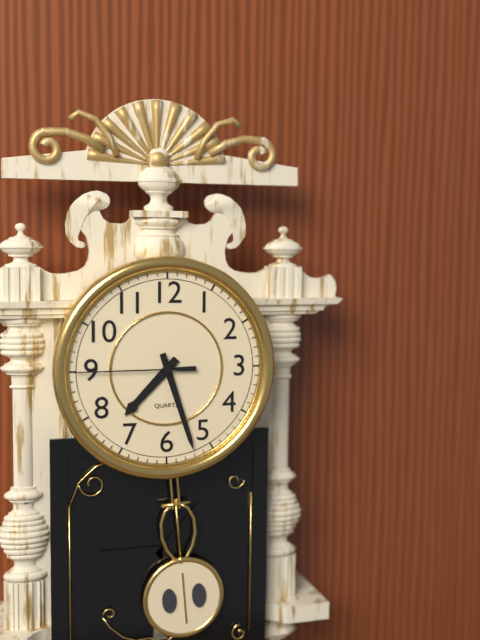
{"hour": 7, "minute": 27, "second": 45}
